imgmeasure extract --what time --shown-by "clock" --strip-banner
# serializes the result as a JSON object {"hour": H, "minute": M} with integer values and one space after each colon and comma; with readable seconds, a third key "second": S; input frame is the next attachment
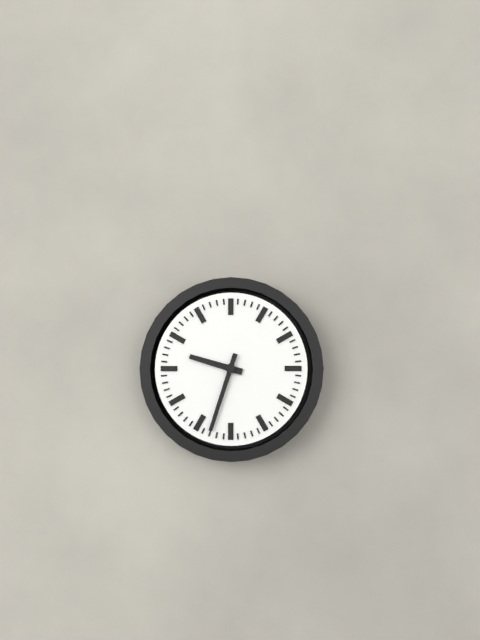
{"hour": 9, "minute": 33}
